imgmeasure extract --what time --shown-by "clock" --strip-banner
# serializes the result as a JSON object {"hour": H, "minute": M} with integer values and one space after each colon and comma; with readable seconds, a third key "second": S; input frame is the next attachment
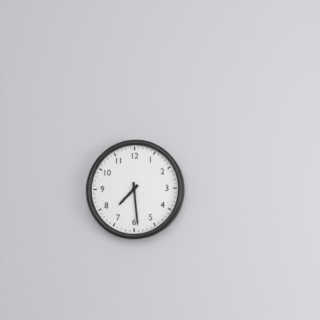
{"hour": 7, "minute": 29}
